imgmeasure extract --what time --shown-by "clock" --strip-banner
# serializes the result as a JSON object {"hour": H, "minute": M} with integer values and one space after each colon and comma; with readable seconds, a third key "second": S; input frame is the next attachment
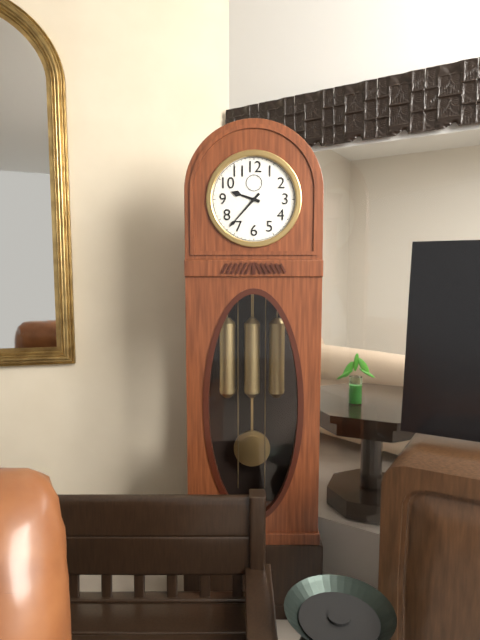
{"hour": 9, "minute": 37}
